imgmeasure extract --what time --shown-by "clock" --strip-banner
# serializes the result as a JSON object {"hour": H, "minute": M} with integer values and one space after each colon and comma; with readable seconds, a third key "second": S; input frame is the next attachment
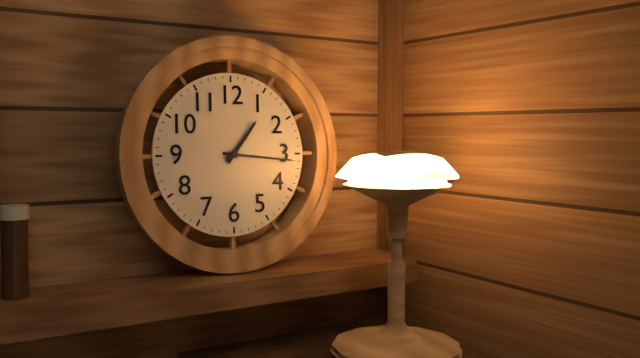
{"hour": 1, "minute": 16}
